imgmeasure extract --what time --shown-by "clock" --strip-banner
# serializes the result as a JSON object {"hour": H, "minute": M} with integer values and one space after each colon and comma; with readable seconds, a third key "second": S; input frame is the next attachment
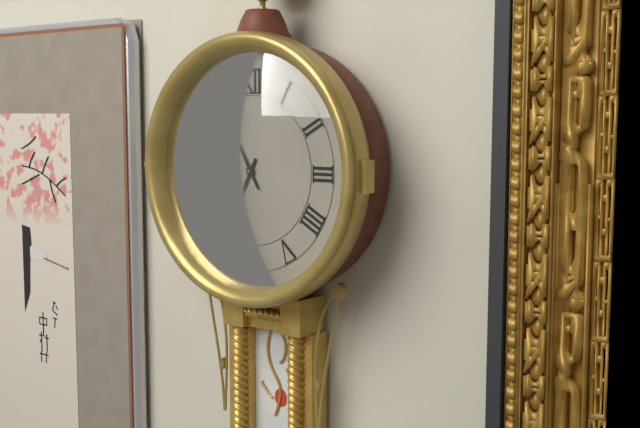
{"hour": 6, "minute": 55}
